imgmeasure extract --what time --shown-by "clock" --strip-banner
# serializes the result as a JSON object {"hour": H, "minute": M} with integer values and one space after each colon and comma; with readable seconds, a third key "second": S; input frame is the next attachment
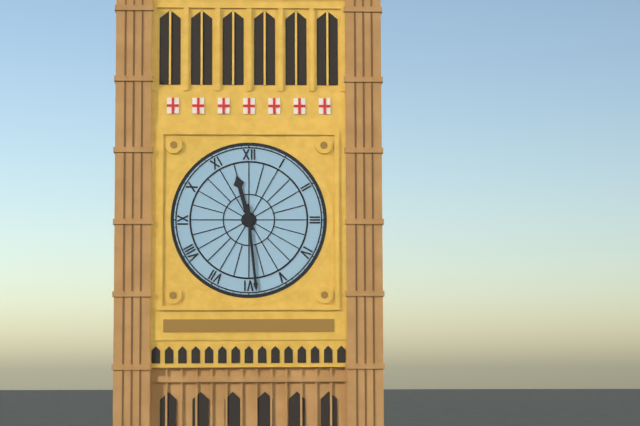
{"hour": 11, "minute": 29}
